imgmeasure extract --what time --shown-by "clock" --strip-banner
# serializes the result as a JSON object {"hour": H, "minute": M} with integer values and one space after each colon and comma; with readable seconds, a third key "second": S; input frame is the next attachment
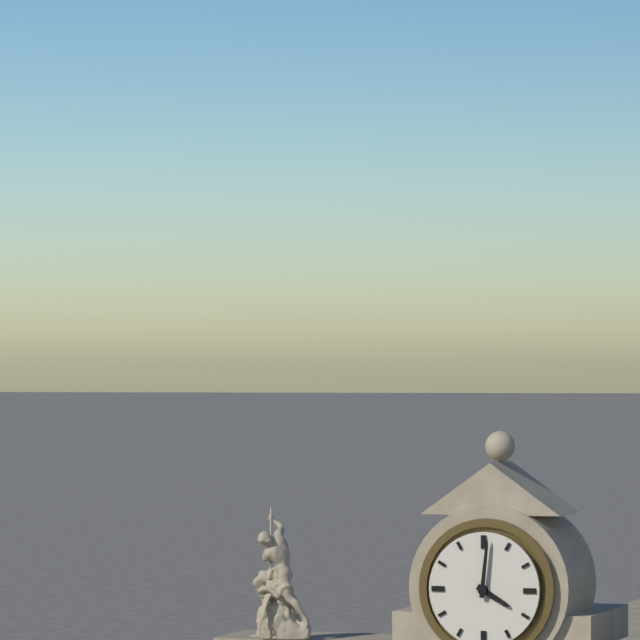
{"hour": 4, "minute": 1}
